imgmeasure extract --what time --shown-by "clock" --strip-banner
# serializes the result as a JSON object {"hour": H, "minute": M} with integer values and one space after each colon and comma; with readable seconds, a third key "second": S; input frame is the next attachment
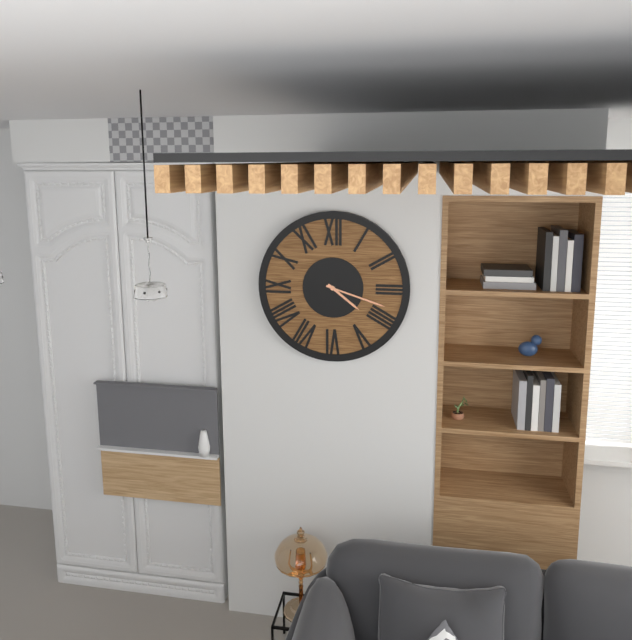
{"hour": 4, "minute": 18}
